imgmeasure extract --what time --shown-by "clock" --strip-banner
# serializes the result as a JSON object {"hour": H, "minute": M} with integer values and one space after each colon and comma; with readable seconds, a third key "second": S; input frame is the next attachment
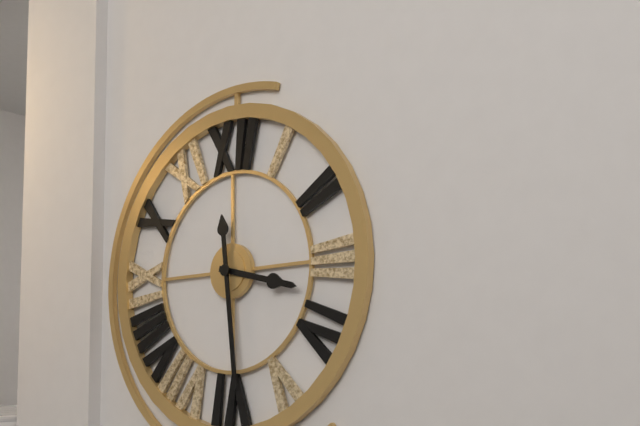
{"hour": 3, "minute": 29}
